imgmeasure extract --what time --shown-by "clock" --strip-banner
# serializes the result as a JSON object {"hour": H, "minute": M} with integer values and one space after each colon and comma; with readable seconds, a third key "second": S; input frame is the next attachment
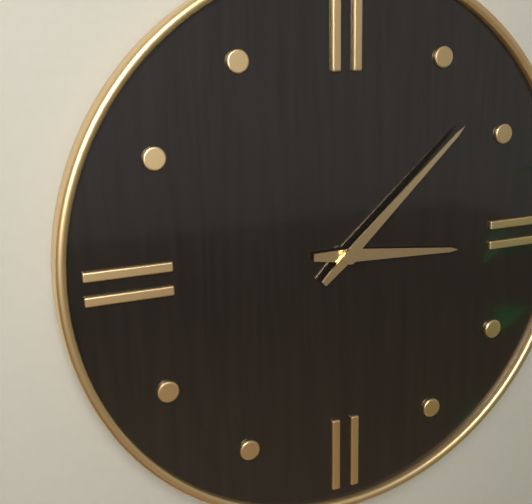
{"hour": 3, "minute": 8}
